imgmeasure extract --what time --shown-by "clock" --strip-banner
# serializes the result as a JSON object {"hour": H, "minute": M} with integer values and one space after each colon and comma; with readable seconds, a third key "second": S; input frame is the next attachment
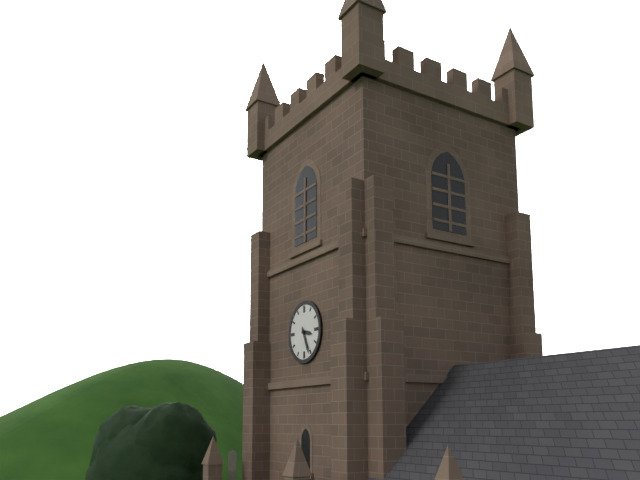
{"hour": 3, "minute": 26}
